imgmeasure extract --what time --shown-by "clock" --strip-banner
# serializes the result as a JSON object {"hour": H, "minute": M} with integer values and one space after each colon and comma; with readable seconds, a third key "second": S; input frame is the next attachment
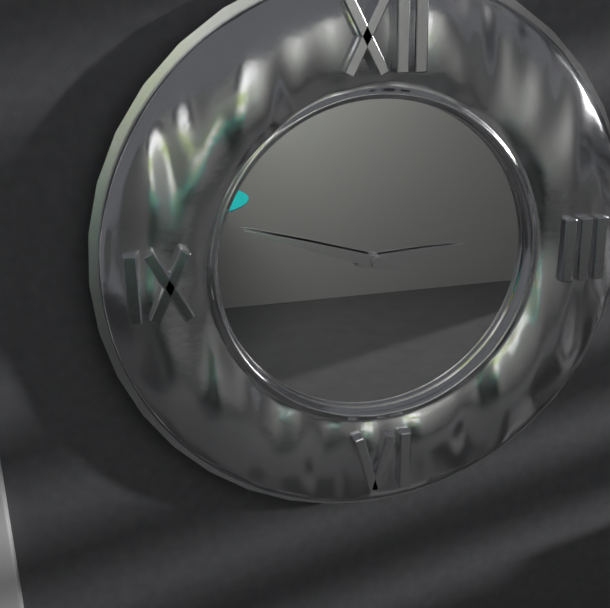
{"hour": 2, "minute": 48}
